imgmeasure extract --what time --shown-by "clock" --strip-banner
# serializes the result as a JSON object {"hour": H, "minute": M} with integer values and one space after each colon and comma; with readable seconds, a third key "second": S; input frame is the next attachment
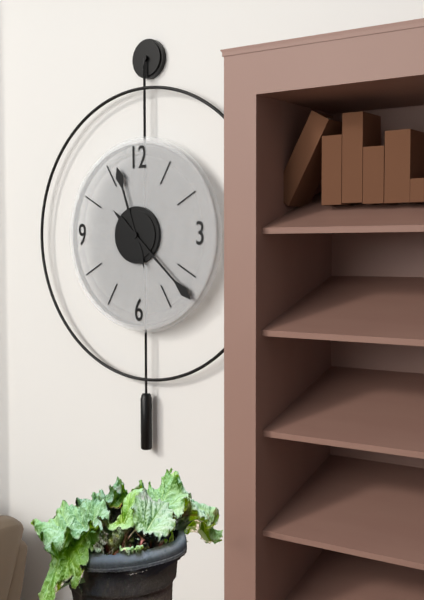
{"hour": 11, "minute": 22}
